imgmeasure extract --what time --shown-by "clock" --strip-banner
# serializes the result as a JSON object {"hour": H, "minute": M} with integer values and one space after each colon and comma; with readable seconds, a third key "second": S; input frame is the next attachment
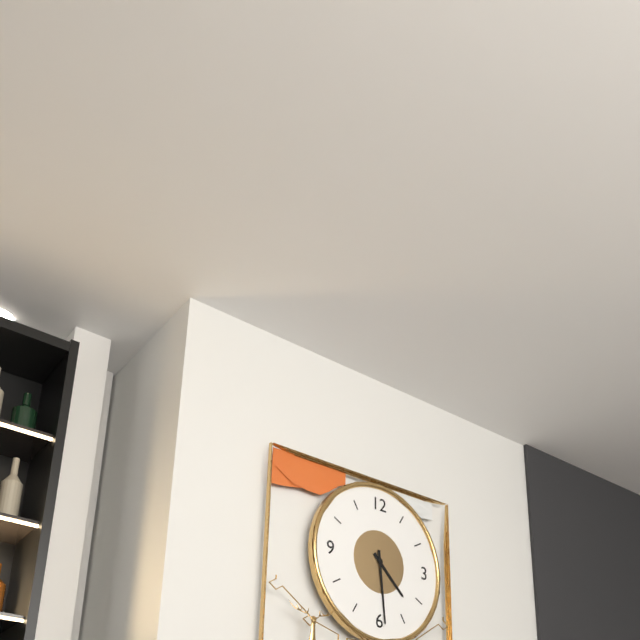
{"hour": 4, "minute": 29}
